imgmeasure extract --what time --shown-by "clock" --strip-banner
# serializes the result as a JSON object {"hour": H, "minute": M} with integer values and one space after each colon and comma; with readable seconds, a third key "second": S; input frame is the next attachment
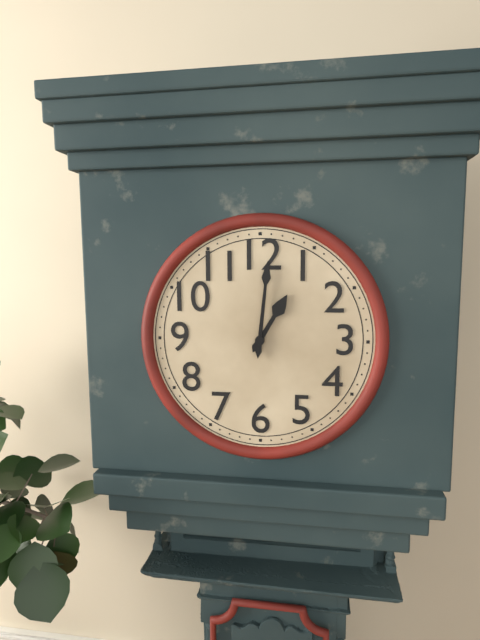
{"hour": 1, "minute": 1}
